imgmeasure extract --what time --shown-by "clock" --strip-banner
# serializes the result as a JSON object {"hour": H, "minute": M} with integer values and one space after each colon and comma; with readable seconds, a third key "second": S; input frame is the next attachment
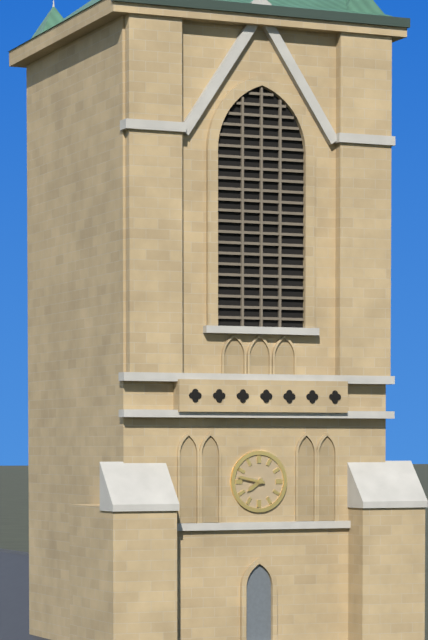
{"hour": 7, "minute": 47}
